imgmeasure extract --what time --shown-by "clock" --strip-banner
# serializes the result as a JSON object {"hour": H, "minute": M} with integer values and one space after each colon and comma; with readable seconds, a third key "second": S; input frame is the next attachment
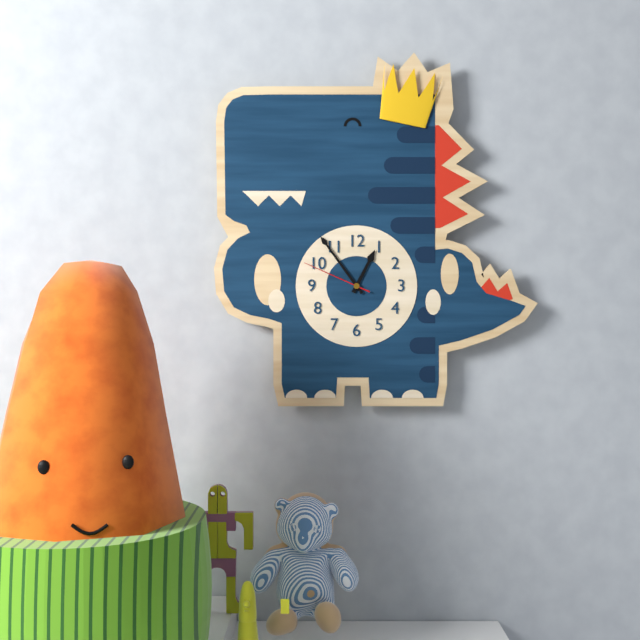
{"hour": 12, "minute": 54, "second": 49}
